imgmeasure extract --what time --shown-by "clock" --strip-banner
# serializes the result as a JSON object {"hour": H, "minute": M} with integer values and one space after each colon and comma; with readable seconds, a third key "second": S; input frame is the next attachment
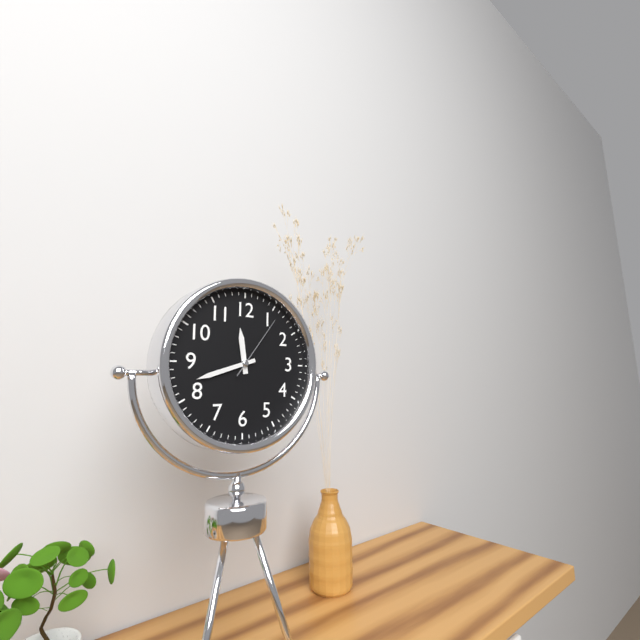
{"hour": 11, "minute": 42, "second": 6}
